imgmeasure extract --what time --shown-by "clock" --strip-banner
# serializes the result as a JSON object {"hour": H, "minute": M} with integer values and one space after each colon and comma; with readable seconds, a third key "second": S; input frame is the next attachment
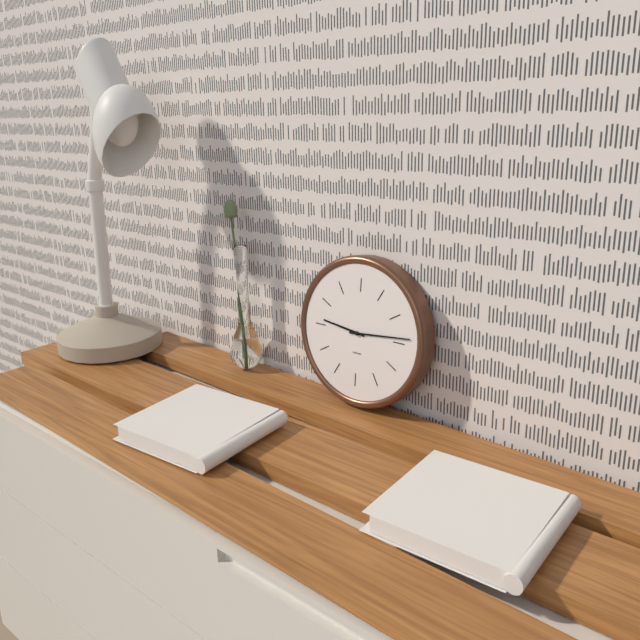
{"hour": 9, "minute": 14}
